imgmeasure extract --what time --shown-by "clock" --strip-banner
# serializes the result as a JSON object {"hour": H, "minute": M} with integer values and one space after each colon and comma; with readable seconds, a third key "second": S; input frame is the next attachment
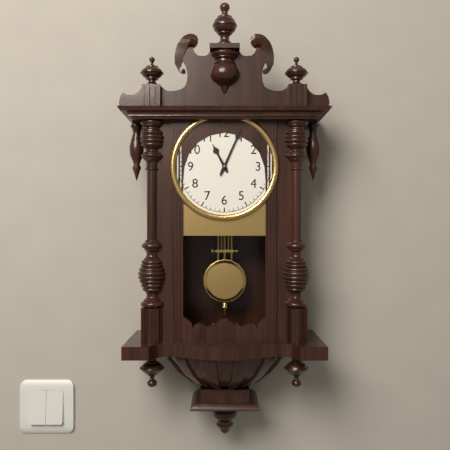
{"hour": 11, "minute": 4}
